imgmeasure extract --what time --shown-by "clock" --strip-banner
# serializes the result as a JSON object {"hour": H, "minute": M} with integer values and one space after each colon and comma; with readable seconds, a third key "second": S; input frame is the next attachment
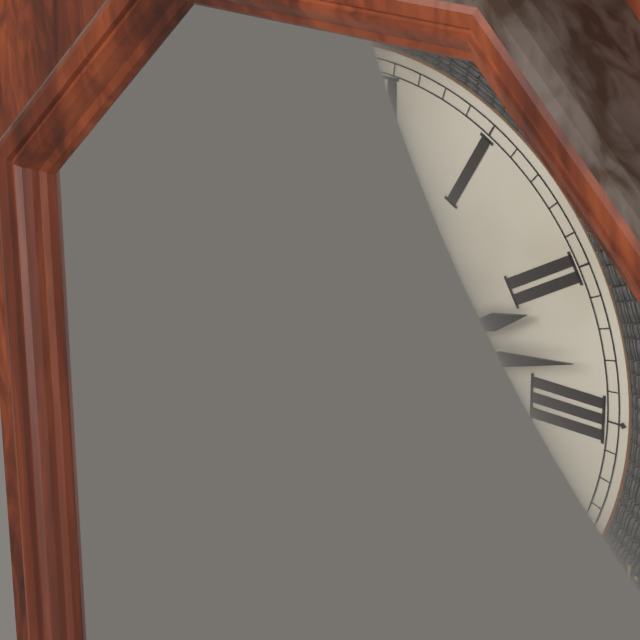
{"hour": 2, "minute": 13}
